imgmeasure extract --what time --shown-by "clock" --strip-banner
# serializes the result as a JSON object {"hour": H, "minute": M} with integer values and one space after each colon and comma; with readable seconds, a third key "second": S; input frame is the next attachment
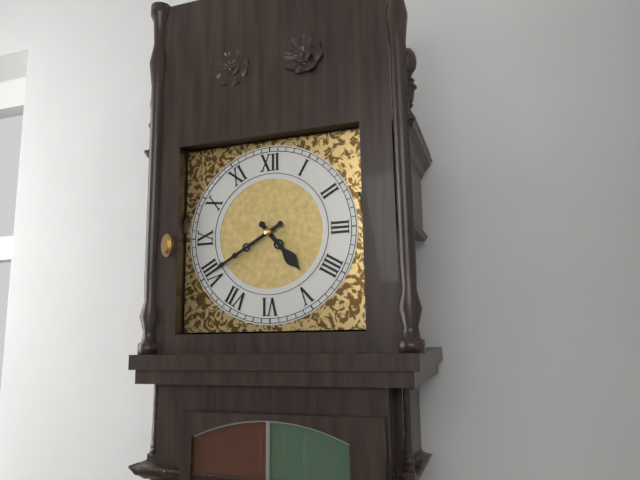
{"hour": 4, "minute": 40}
